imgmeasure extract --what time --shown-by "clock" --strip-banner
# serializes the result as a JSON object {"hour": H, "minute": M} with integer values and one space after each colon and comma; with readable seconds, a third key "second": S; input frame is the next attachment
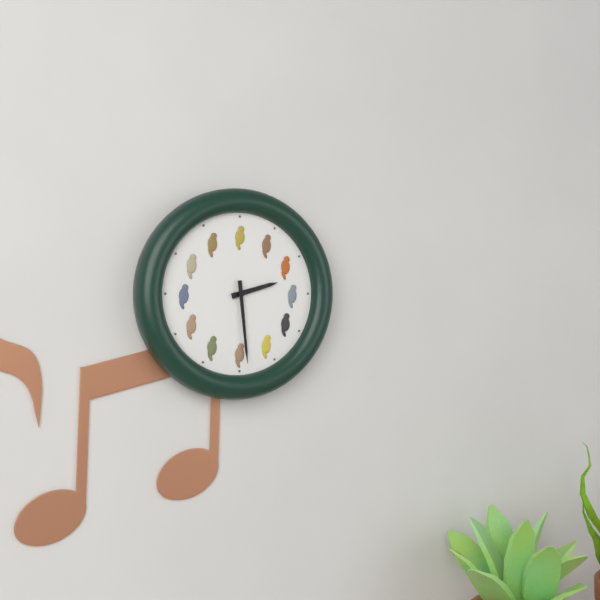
{"hour": 2, "minute": 29}
